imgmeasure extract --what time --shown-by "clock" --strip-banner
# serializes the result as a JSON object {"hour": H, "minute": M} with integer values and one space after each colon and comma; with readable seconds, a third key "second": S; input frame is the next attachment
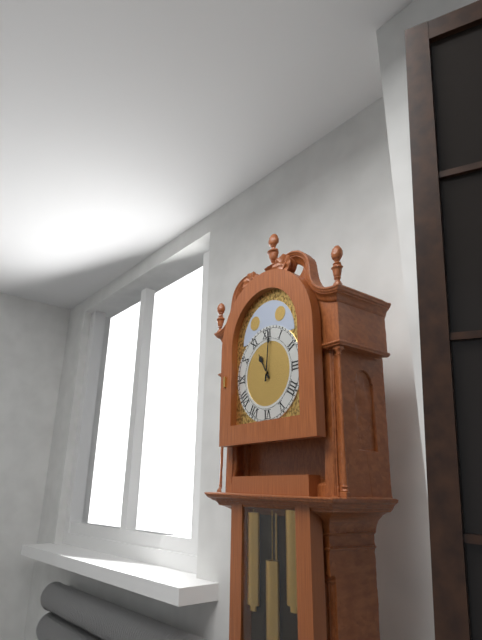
{"hour": 11, "minute": 1}
